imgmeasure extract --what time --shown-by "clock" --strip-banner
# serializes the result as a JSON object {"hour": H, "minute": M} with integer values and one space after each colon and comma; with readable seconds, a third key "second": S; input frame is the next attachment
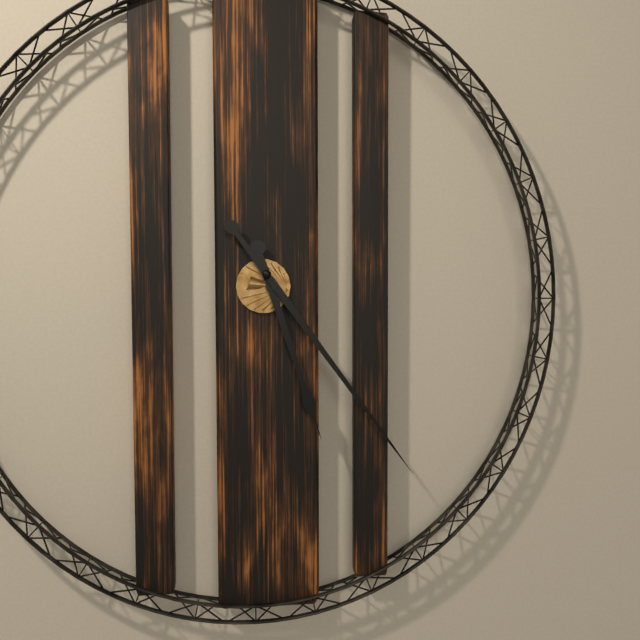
{"hour": 5, "minute": 24}
